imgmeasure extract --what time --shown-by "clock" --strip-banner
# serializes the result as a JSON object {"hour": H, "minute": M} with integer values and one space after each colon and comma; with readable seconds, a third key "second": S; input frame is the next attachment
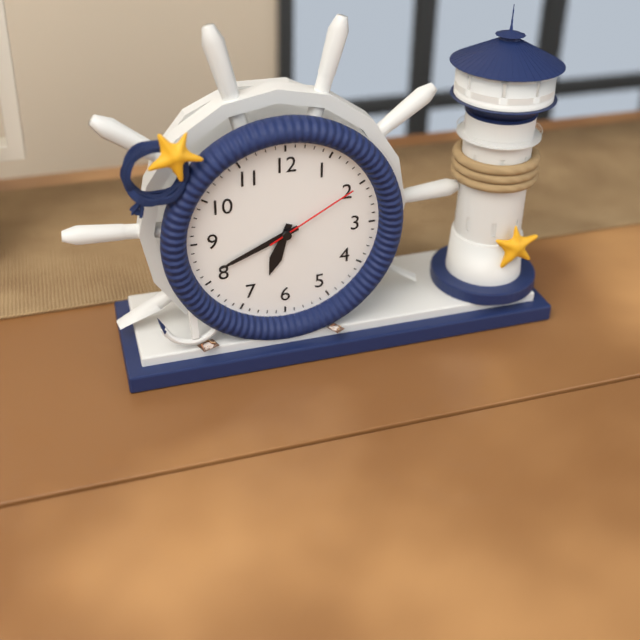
{"hour": 6, "minute": 41, "second": 10}
